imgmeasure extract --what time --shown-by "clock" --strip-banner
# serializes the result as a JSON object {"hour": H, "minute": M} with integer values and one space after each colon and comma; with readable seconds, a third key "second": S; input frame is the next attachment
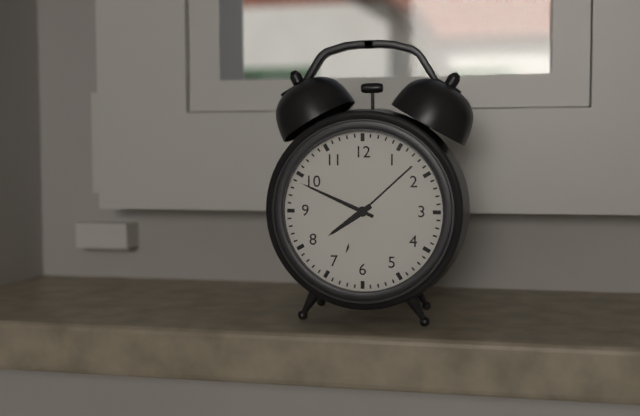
{"hour": 7, "minute": 49}
